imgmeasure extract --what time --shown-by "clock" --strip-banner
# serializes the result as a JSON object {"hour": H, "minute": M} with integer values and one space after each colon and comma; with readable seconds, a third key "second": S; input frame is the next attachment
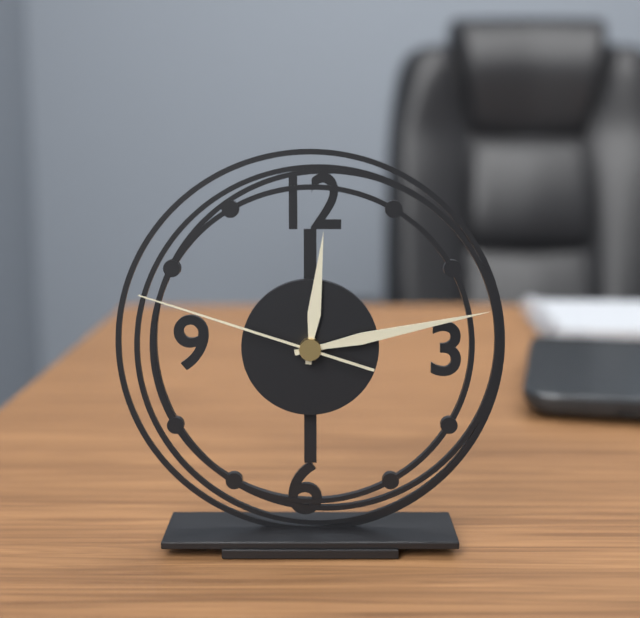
{"hour": 12, "minute": 13, "second": 48}
